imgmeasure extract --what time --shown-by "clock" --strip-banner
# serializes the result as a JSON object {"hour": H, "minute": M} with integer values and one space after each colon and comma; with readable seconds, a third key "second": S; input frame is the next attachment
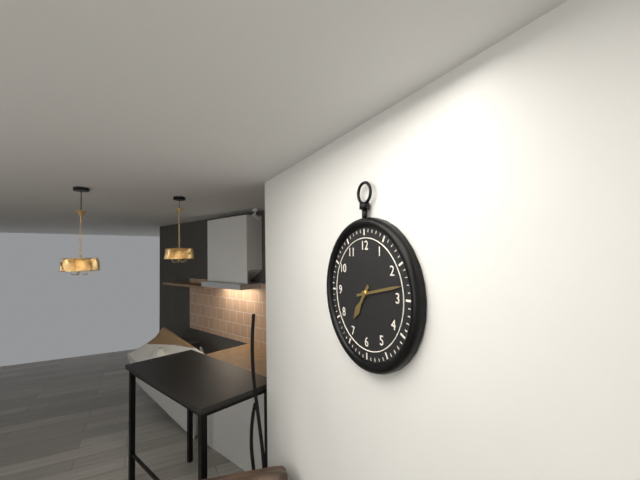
{"hour": 7, "minute": 13}
